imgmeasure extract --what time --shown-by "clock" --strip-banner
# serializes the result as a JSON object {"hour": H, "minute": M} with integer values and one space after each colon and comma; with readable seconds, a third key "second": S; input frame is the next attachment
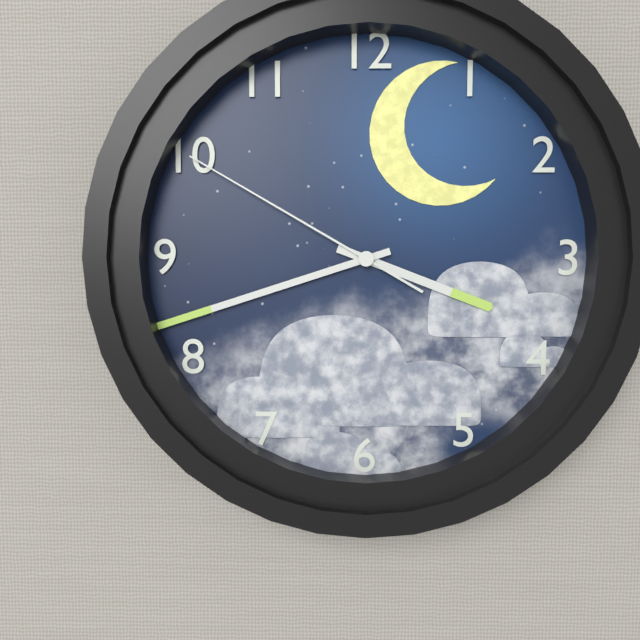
{"hour": 3, "minute": 42, "second": 50}
